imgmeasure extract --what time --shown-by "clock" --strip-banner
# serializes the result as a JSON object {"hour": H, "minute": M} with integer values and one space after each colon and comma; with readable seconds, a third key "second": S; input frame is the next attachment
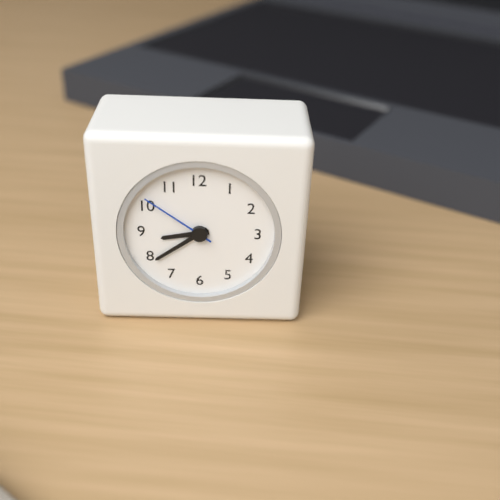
{"hour": 8, "minute": 39, "second": 51}
